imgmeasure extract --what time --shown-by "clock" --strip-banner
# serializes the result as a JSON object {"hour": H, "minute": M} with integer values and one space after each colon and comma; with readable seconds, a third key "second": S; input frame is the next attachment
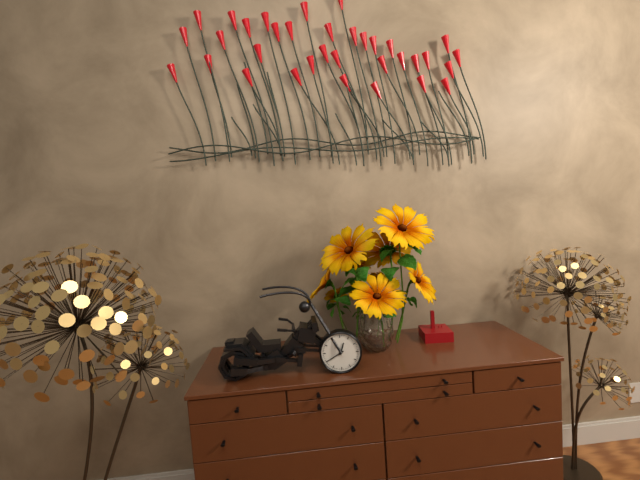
{"hour": 12, "minute": 40}
